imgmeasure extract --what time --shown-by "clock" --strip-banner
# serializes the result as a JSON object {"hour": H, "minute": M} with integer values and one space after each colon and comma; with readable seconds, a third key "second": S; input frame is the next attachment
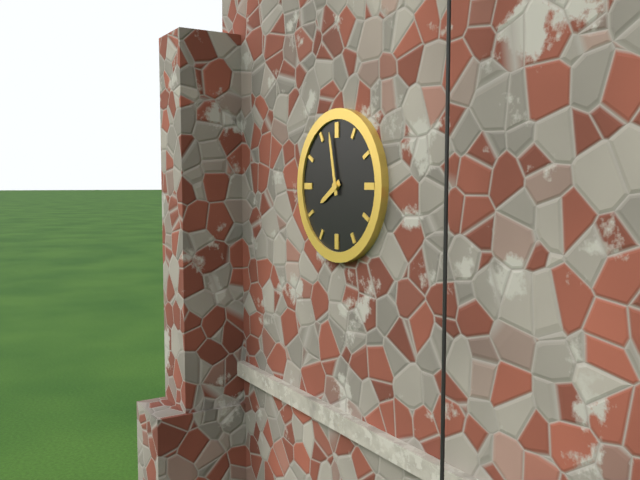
{"hour": 7, "minute": 58}
